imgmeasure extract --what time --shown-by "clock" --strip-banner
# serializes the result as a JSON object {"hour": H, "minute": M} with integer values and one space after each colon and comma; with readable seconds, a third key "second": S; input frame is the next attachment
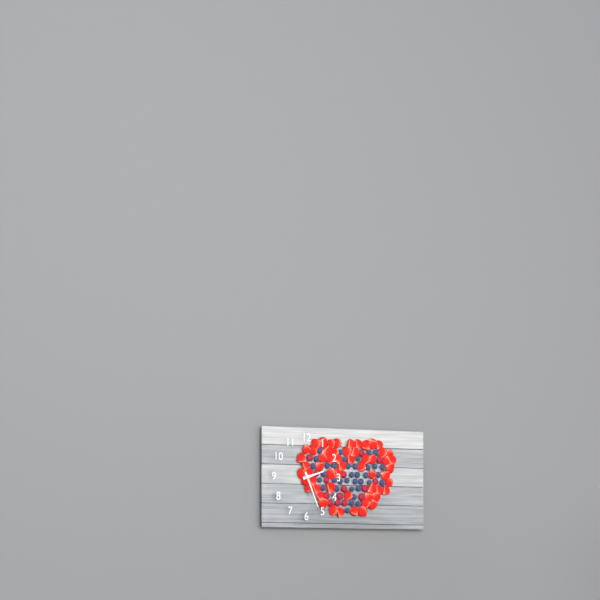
{"hour": 2, "minute": 26}
